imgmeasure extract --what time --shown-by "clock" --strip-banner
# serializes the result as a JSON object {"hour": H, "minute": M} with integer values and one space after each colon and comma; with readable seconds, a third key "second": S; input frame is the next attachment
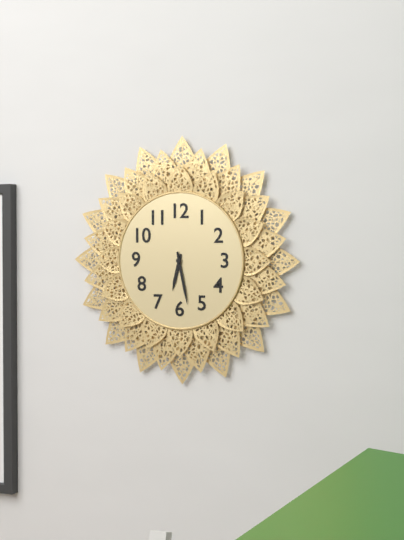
{"hour": 6, "minute": 28}
